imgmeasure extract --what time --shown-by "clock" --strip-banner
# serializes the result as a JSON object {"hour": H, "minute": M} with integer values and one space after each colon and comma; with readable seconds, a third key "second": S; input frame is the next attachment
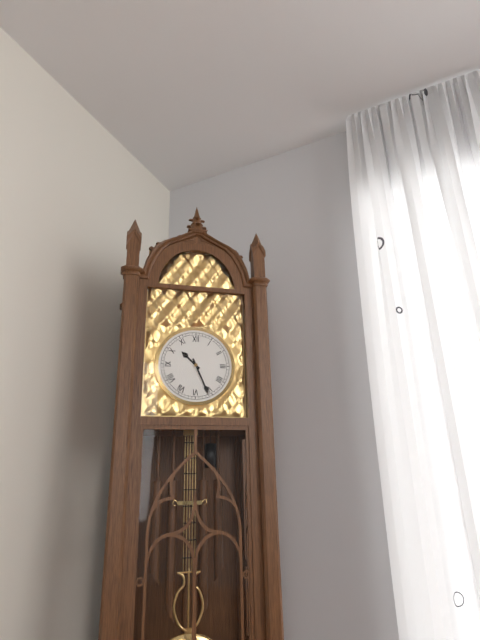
{"hour": 10, "minute": 26}
